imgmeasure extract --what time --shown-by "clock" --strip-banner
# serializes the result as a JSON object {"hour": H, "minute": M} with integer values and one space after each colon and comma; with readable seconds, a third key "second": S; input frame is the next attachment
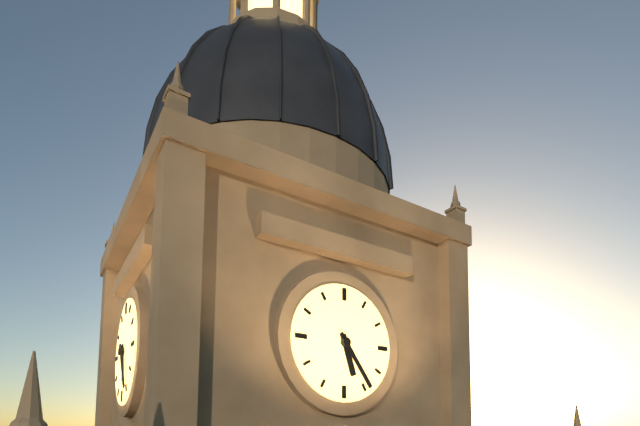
{"hour": 5, "minute": 24}
